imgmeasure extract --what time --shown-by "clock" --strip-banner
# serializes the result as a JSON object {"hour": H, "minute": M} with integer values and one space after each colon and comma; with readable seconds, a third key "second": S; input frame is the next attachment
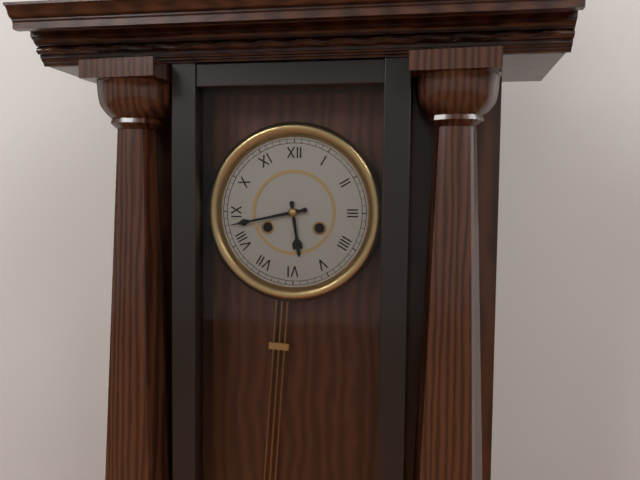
{"hour": 5, "minute": 43}
